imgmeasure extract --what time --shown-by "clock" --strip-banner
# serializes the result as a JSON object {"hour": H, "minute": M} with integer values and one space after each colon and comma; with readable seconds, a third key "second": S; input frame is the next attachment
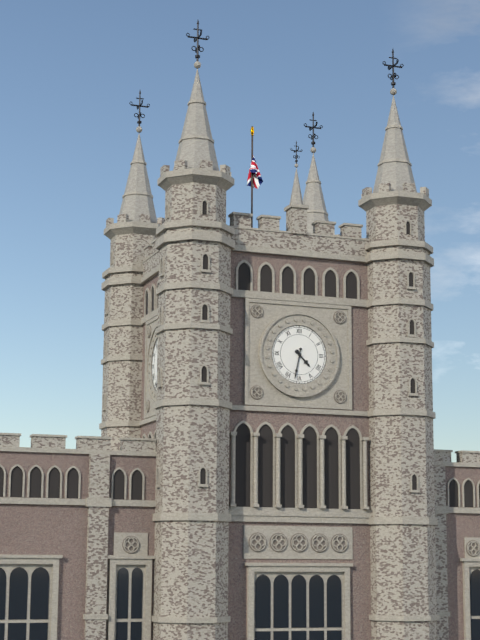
{"hour": 4, "minute": 32}
